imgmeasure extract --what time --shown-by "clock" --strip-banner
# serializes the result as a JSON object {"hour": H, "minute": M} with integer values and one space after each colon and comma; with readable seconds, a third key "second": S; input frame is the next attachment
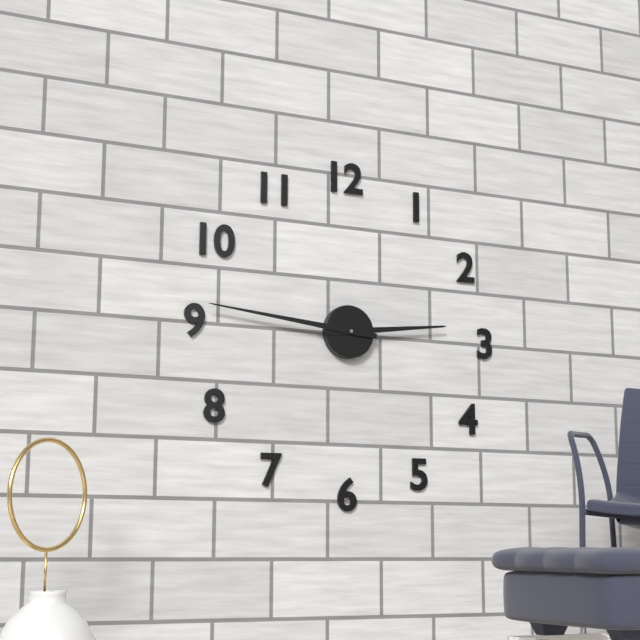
{"hour": 2, "minute": 46}
